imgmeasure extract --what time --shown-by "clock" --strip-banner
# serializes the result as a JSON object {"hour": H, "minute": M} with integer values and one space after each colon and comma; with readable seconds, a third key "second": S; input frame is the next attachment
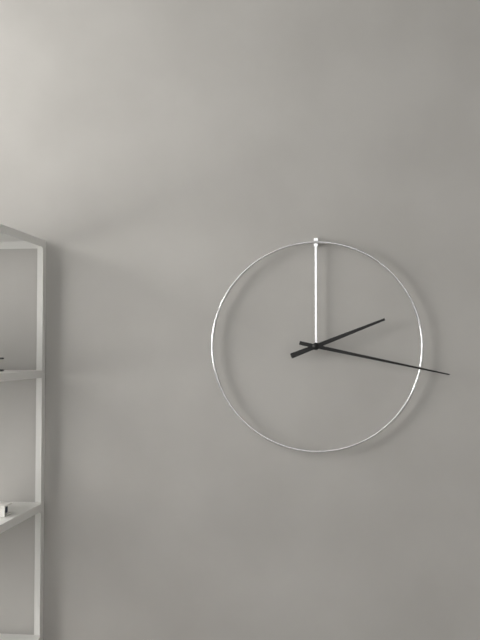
{"hour": 2, "minute": 17}
